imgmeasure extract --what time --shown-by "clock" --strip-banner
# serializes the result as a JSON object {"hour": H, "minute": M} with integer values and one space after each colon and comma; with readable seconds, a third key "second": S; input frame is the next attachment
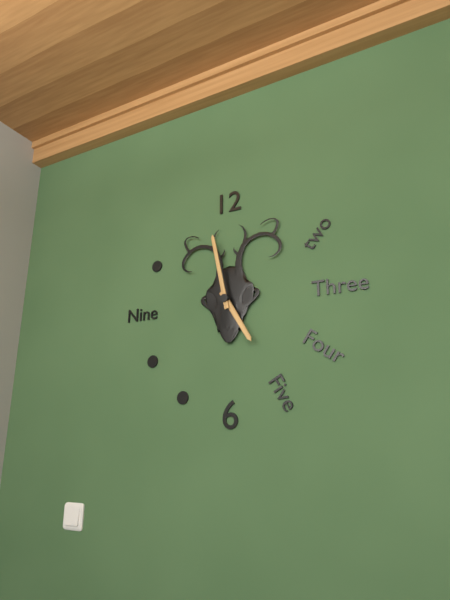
{"hour": 4, "minute": 58}
